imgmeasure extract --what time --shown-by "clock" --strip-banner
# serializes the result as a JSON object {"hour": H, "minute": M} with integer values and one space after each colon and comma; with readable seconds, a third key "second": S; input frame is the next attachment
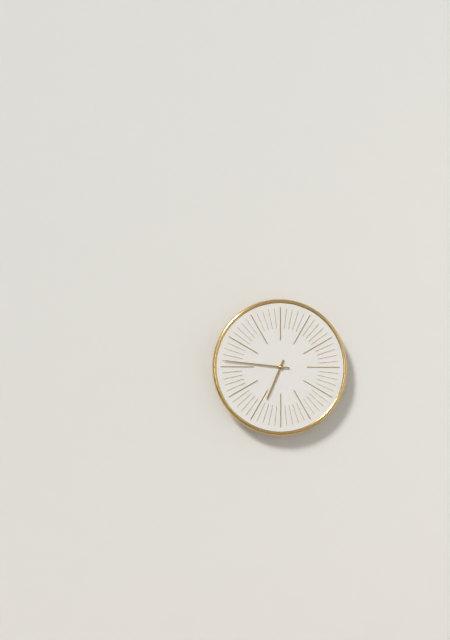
{"hour": 6, "minute": 46}
